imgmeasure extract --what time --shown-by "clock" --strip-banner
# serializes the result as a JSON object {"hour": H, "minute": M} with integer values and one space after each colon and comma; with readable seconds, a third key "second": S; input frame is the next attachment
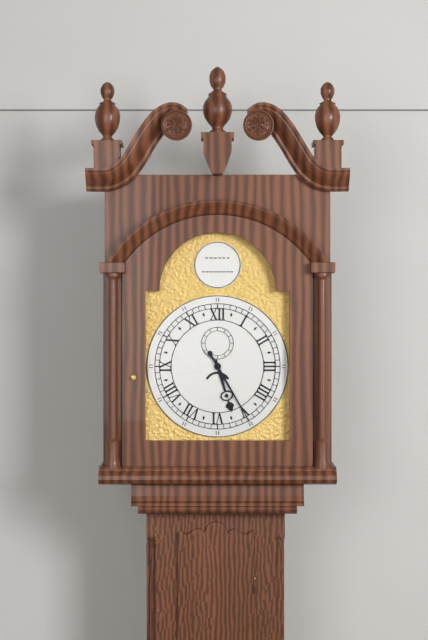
{"hour": 5, "minute": 25}
